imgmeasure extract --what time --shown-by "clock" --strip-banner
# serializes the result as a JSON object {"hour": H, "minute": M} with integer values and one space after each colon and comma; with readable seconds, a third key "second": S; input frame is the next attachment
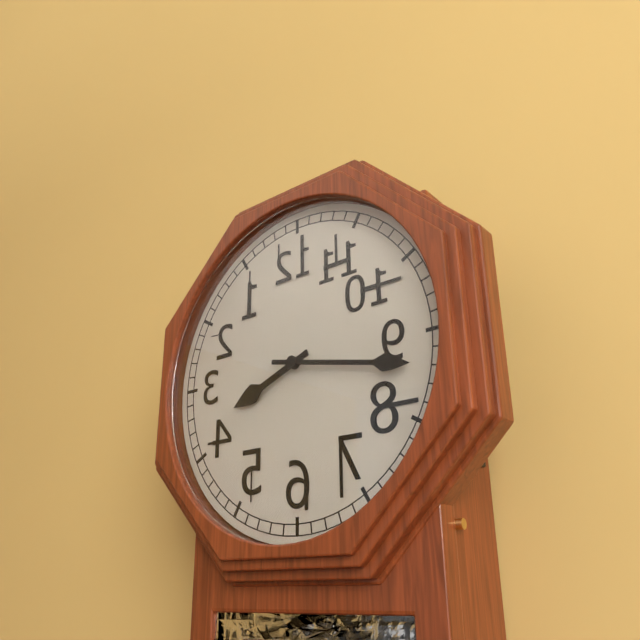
{"hour": 8, "minute": 17}
